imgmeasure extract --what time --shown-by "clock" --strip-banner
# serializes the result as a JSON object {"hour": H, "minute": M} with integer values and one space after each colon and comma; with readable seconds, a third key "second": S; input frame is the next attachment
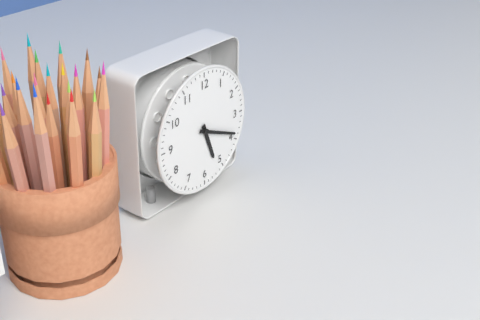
{"hour": 5, "minute": 19}
